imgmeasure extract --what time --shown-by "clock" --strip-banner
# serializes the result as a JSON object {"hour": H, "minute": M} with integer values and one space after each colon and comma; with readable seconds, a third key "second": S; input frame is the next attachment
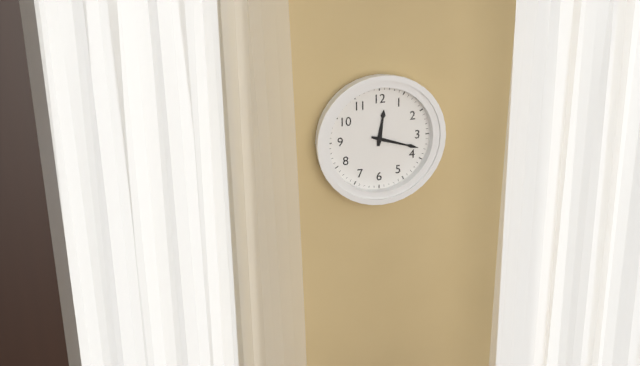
{"hour": 12, "minute": 18}
